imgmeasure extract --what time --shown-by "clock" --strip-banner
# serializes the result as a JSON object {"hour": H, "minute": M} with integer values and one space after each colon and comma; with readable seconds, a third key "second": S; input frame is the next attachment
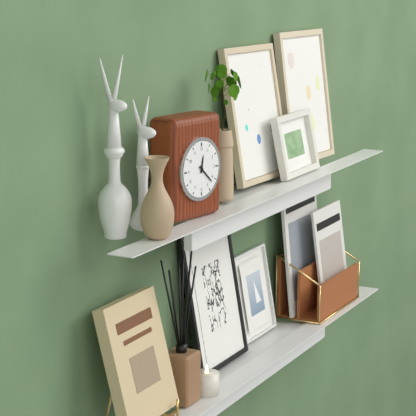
{"hour": 12, "minute": 22}
